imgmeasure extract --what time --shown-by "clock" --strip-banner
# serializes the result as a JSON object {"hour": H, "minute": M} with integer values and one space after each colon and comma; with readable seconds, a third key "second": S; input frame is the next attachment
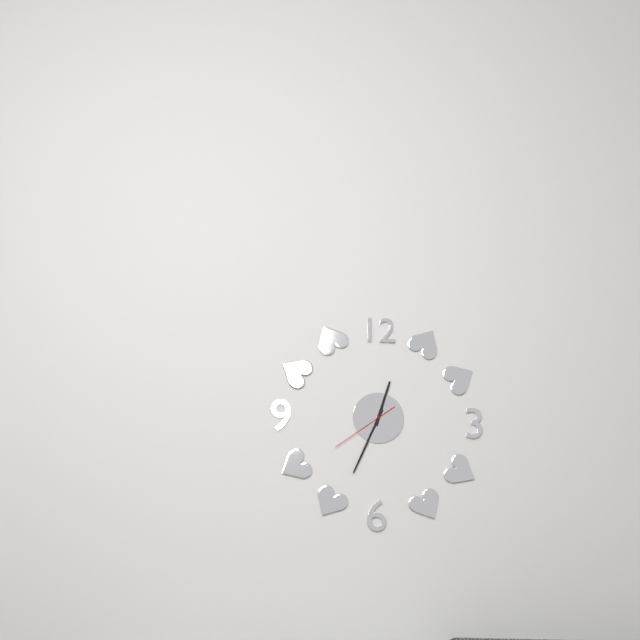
{"hour": 12, "minute": 34, "second": 39}
